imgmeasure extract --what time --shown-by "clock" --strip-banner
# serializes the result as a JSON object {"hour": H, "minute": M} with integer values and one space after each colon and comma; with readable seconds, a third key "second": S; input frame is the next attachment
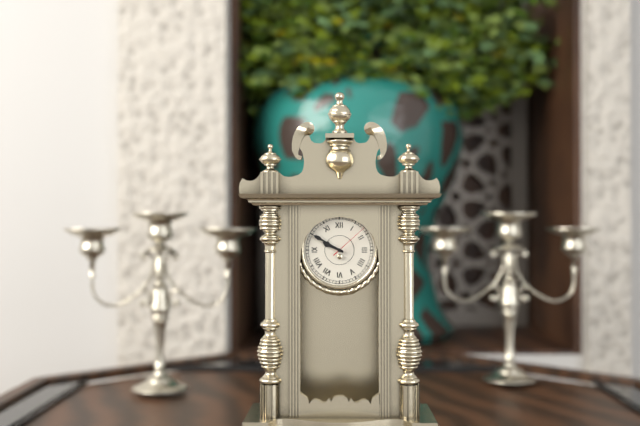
{"hour": 9, "minute": 50}
